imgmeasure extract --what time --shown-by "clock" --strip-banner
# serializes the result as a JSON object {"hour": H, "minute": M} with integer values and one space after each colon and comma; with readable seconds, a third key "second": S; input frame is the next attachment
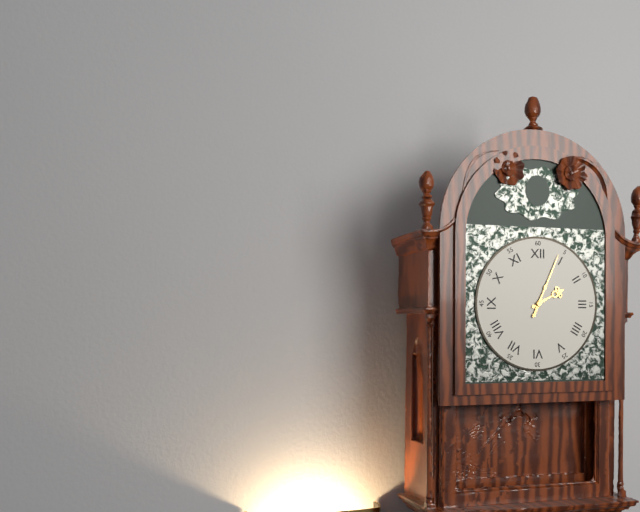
{"hour": 2, "minute": 4}
